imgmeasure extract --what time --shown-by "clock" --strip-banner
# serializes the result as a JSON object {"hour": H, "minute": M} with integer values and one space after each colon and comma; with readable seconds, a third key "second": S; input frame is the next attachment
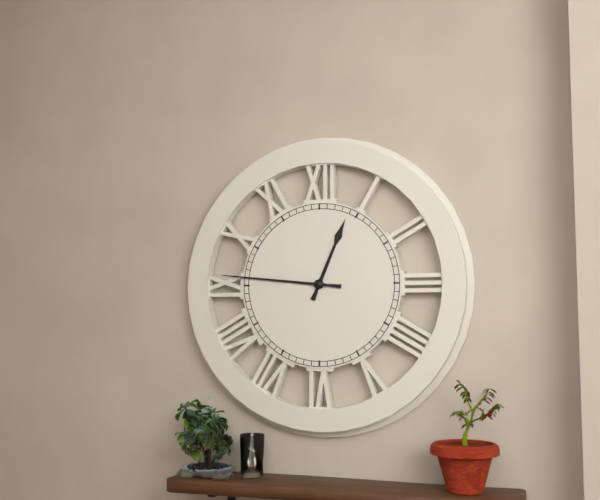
{"hour": 12, "minute": 46}
